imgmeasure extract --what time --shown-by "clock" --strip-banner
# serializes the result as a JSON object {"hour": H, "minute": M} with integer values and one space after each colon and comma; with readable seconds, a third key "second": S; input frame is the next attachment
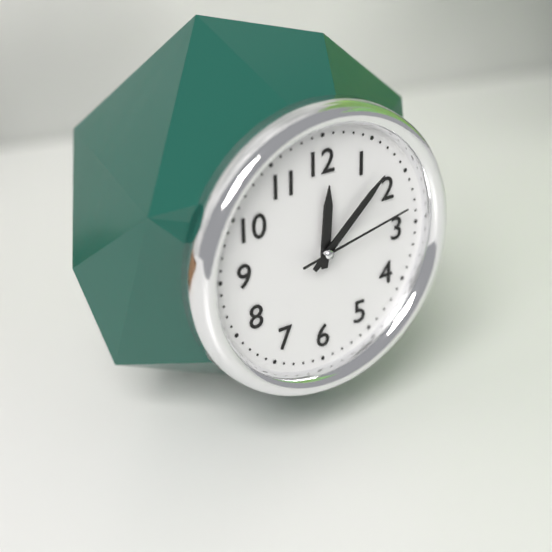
{"hour": 12, "minute": 8, "second": 13}
